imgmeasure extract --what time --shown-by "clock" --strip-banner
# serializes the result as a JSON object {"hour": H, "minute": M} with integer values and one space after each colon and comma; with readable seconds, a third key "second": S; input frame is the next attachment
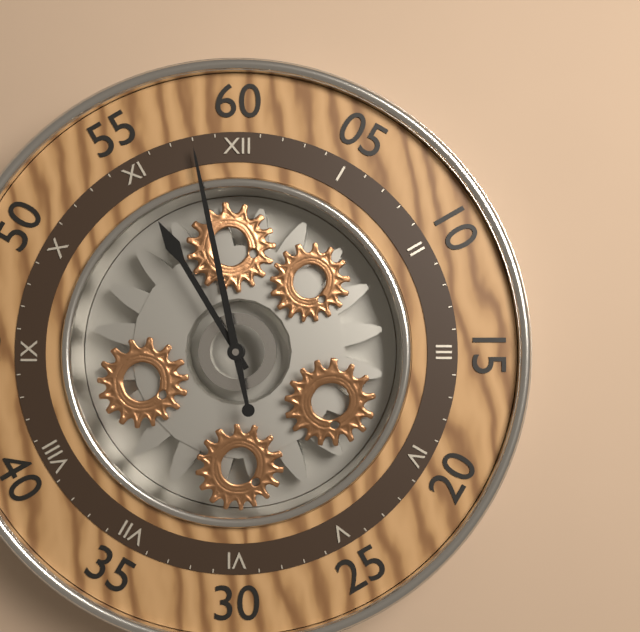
{"hour": 10, "minute": 58}
